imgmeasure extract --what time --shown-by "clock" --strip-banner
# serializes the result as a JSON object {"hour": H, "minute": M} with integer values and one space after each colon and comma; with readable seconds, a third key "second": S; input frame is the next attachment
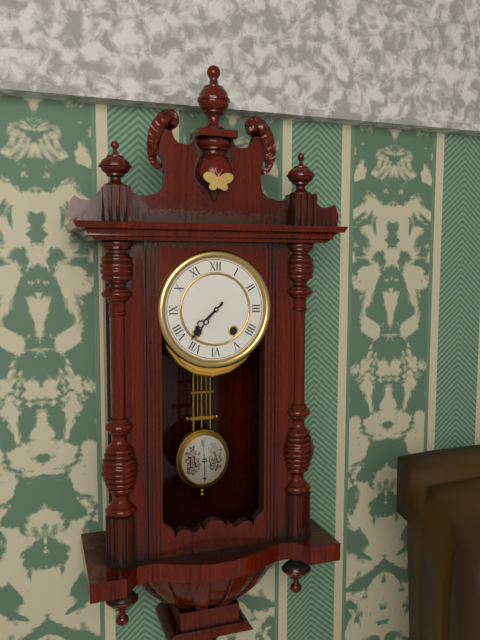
{"hour": 7, "minute": 37}
